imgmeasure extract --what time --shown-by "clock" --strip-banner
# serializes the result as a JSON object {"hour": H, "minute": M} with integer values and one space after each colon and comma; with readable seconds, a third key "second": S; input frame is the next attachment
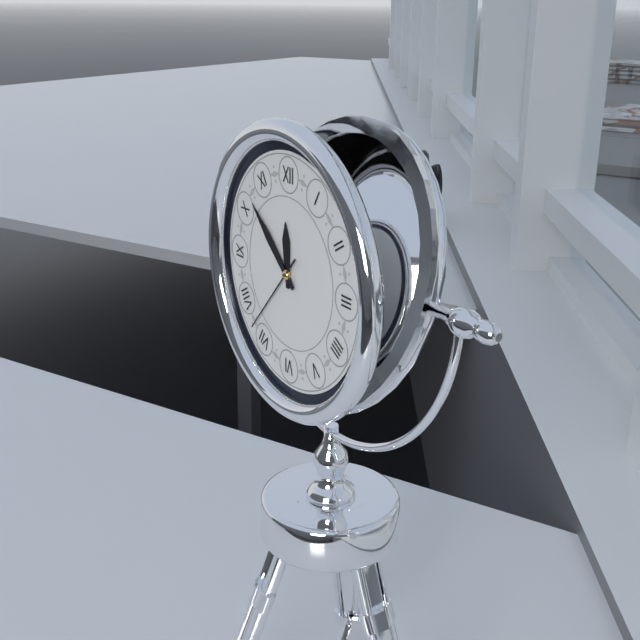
{"hour": 11, "minute": 52, "second": 37}
